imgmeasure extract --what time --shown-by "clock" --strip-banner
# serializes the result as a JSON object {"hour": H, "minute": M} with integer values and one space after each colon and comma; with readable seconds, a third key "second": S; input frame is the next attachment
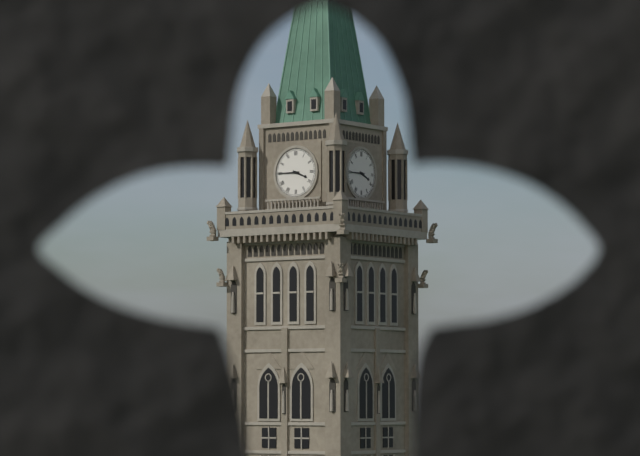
{"hour": 3, "minute": 45}
